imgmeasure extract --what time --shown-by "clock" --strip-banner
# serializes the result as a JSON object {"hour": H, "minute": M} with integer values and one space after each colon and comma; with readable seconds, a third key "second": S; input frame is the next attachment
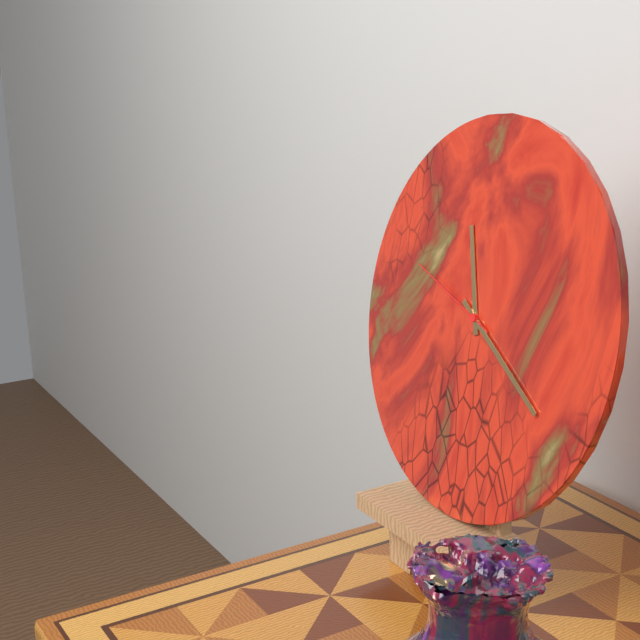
{"hour": 11, "minute": 20, "second": 48}
